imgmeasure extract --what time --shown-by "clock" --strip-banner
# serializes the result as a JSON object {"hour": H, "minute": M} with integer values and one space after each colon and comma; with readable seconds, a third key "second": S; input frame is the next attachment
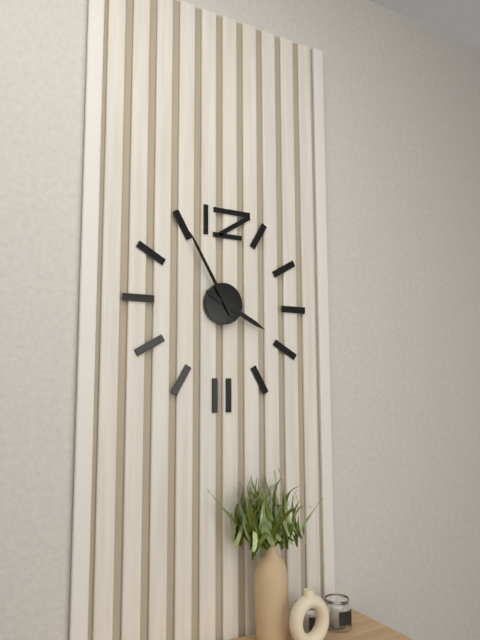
{"hour": 3, "minute": 55}
